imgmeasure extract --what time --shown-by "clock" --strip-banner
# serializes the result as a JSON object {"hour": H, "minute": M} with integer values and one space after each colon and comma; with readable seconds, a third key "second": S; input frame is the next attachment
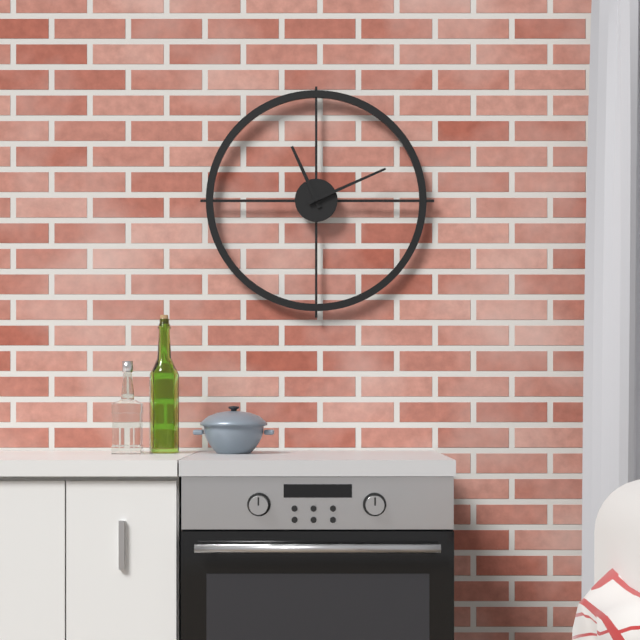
{"hour": 11, "minute": 11}
